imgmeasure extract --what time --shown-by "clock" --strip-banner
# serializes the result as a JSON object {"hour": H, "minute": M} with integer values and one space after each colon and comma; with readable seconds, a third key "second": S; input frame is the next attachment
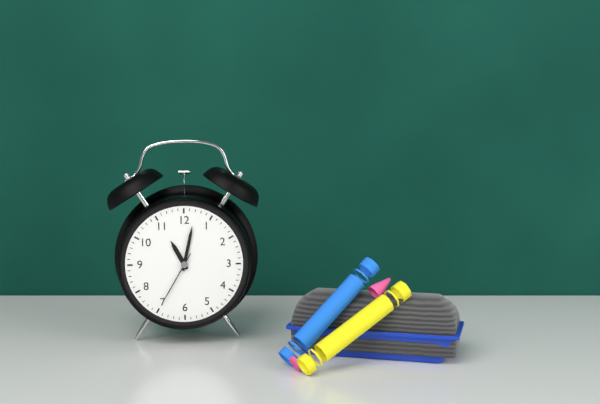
{"hour": 11, "minute": 2, "second": 35}
